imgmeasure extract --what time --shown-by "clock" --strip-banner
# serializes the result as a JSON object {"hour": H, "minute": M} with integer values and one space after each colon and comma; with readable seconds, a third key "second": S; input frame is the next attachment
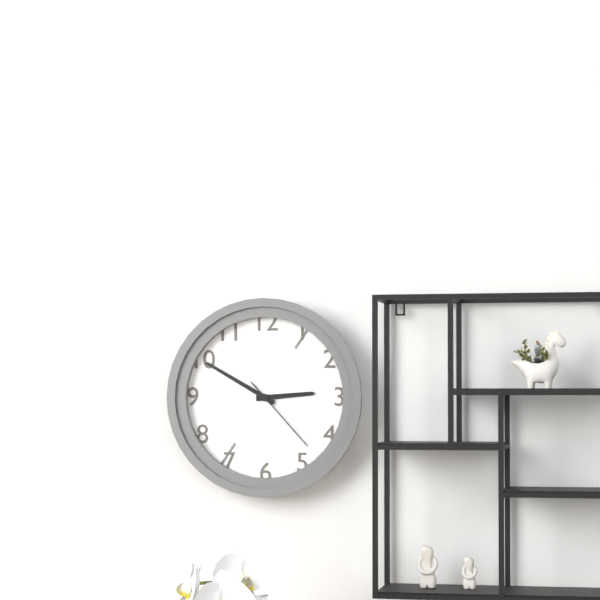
{"hour": 2, "minute": 50, "second": 23}
